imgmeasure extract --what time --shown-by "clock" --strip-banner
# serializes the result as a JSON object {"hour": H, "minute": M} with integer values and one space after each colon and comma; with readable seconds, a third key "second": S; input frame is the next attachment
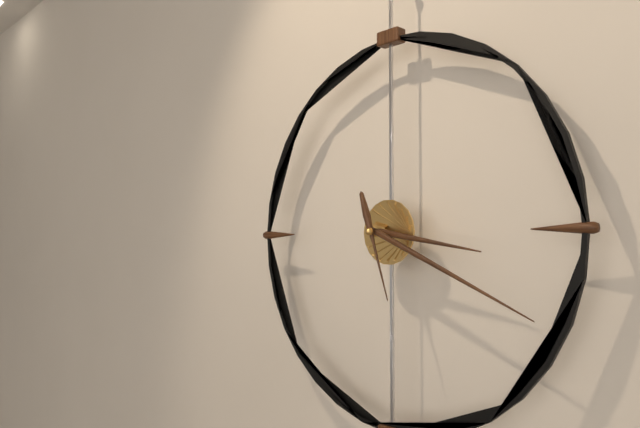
{"hour": 3, "minute": 19, "second": 27}
